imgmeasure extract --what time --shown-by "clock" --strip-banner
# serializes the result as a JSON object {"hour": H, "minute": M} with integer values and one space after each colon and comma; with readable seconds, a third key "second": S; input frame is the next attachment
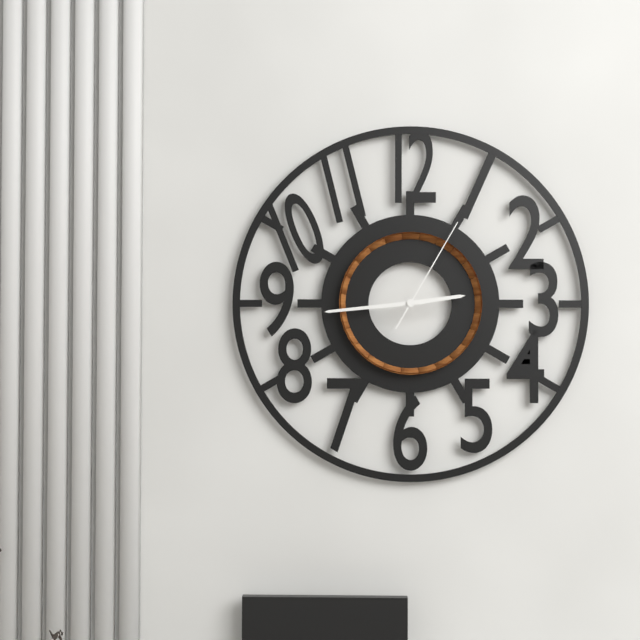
{"hour": 2, "minute": 44, "second": 5}
